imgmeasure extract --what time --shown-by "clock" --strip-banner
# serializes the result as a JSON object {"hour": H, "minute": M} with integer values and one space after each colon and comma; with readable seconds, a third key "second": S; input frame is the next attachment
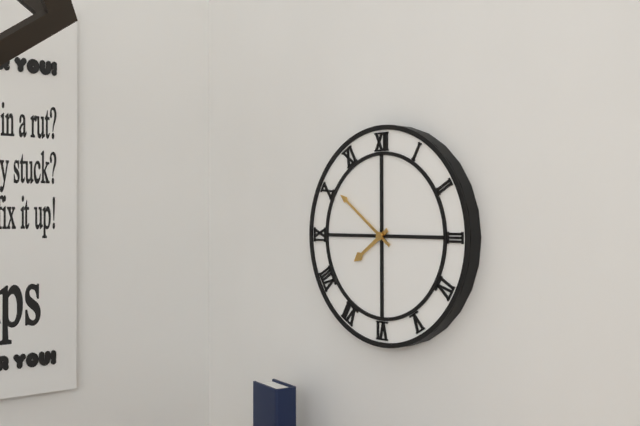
{"hour": 7, "minute": 51}
